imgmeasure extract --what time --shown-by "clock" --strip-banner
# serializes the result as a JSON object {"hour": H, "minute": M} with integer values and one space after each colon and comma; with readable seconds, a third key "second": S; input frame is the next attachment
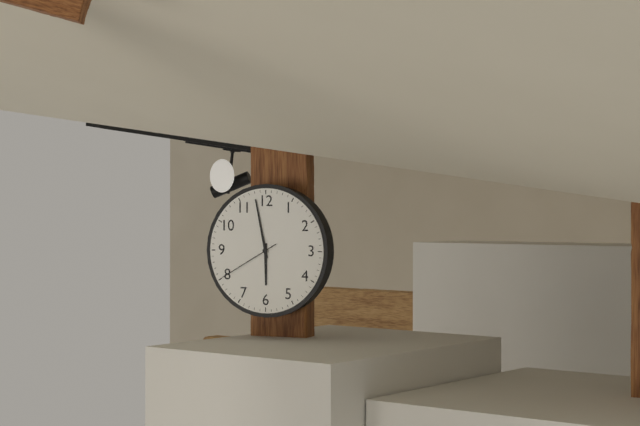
{"hour": 5, "minute": 58, "second": 40}
